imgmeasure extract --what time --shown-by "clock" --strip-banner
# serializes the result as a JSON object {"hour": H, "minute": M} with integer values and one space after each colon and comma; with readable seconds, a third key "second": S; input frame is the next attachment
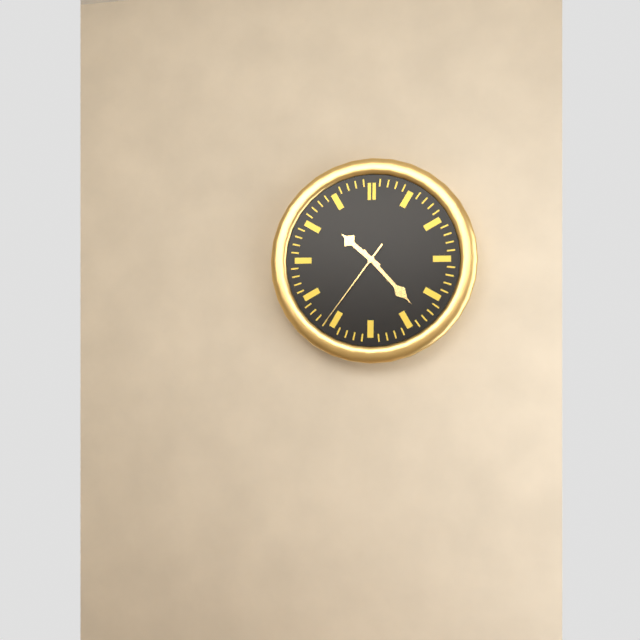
{"hour": 10, "minute": 23, "second": 36}
